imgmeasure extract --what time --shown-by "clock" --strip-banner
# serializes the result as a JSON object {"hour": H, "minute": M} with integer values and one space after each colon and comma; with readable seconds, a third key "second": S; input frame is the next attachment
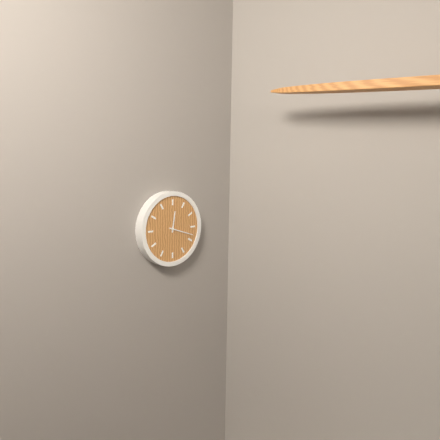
{"hour": 12, "minute": 18}
